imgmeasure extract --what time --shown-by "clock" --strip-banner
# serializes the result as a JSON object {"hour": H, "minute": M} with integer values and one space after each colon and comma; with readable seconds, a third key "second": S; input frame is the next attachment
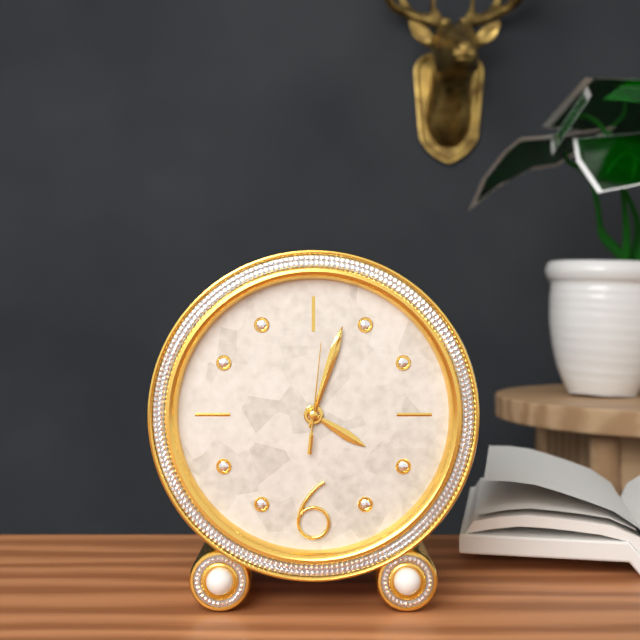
{"hour": 4, "minute": 3, "second": 1}
